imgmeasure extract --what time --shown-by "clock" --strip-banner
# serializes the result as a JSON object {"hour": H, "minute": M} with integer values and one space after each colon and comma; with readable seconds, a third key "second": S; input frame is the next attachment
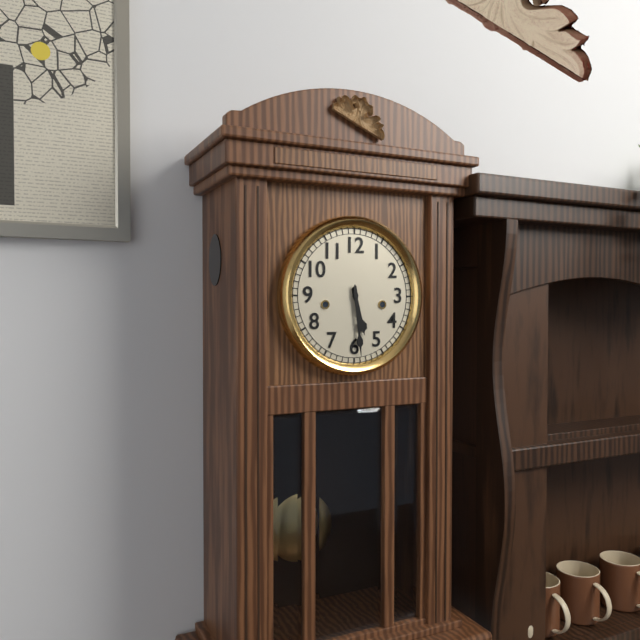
{"hour": 5, "minute": 29}
